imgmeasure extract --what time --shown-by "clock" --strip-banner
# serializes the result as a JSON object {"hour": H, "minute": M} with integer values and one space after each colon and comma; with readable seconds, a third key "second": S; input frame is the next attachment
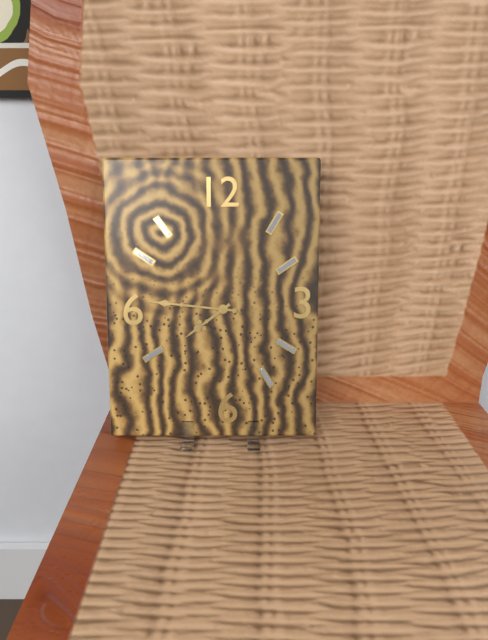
{"hour": 7, "minute": 46}
